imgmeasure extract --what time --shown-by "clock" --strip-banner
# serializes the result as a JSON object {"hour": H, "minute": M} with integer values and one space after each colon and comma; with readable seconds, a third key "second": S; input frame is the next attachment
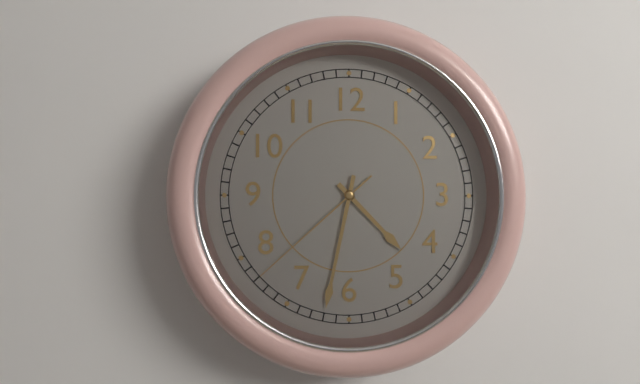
{"hour": 4, "minute": 32, "second": 38}
